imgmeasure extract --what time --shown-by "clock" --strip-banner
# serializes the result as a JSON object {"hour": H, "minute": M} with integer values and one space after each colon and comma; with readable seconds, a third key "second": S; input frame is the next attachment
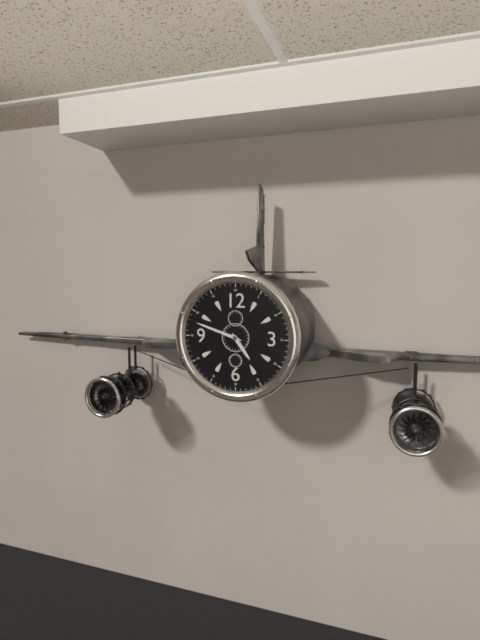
{"hour": 4, "minute": 48}
